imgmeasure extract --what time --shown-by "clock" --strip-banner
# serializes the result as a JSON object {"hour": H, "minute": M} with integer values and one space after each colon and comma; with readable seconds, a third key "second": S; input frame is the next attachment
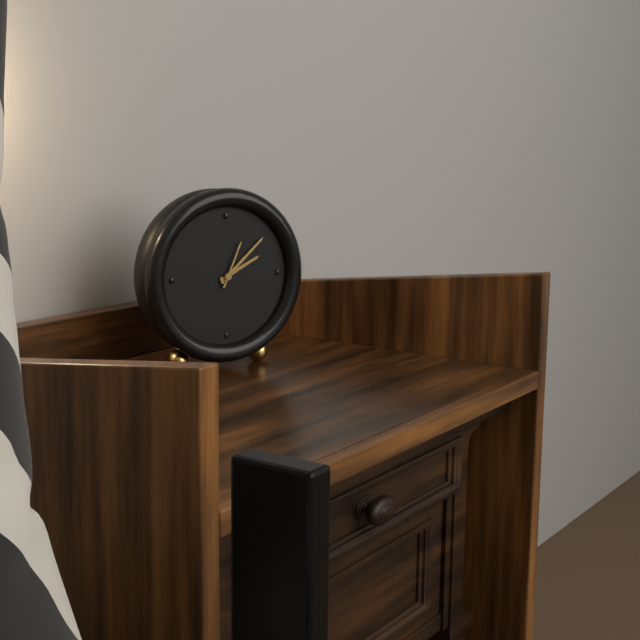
{"hour": 2, "minute": 8}
